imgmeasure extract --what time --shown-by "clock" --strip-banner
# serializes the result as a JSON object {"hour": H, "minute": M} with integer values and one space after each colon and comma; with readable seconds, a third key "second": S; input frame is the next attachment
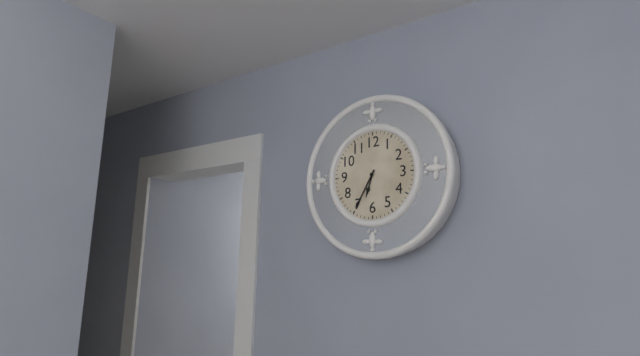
{"hour": 6, "minute": 35}
